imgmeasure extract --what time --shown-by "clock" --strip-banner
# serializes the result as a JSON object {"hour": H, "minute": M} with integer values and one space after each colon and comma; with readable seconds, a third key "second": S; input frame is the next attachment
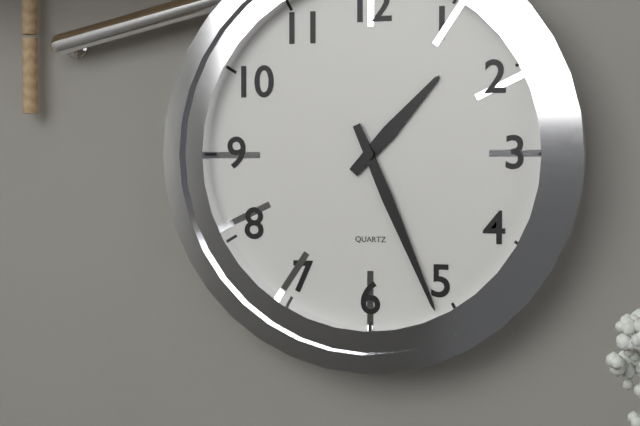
{"hour": 1, "minute": 26}
